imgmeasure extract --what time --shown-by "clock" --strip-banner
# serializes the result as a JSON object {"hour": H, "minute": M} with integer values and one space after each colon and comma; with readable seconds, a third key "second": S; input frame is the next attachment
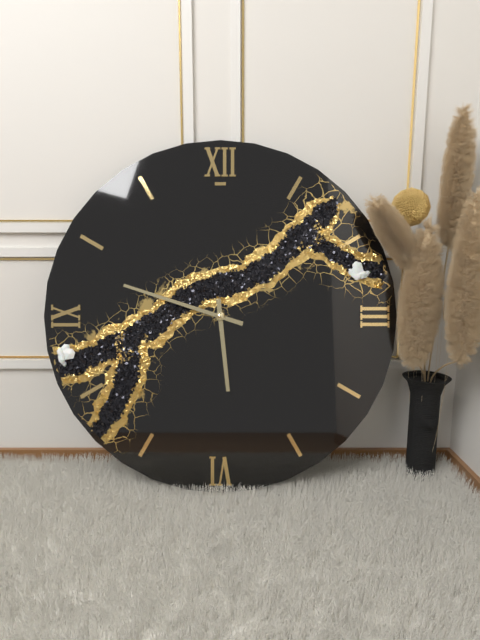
{"hour": 5, "minute": 48}
